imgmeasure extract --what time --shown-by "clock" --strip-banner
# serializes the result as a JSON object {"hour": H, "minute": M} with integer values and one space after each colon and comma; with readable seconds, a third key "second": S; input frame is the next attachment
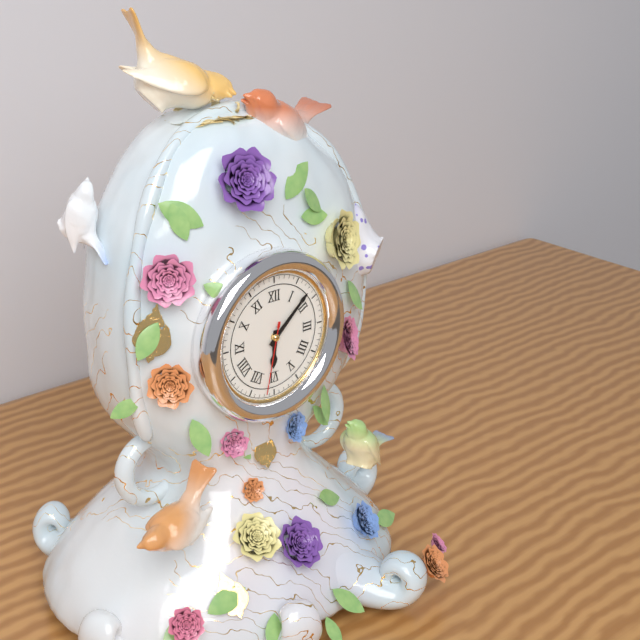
{"hour": 6, "minute": 8, "second": 32}
